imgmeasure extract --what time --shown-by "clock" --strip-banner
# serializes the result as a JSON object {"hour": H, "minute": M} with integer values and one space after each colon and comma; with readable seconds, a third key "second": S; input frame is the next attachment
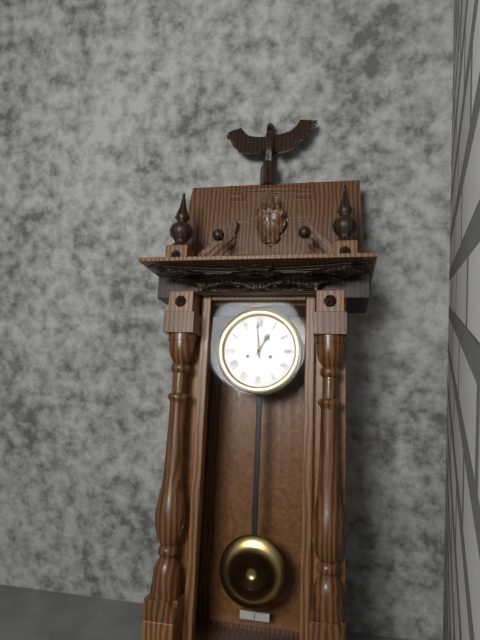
{"hour": 12, "minute": 59}
